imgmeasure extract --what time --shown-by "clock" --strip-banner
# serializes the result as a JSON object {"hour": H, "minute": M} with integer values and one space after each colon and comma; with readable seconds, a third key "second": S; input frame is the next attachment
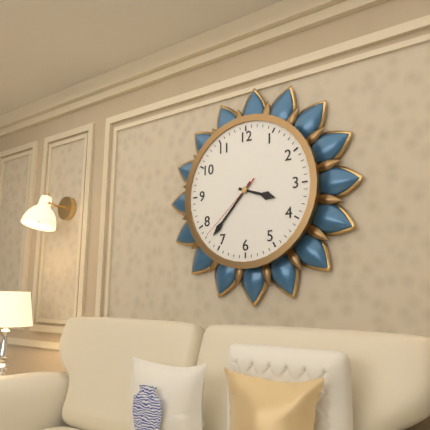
{"hour": 3, "minute": 37, "second": 38}
